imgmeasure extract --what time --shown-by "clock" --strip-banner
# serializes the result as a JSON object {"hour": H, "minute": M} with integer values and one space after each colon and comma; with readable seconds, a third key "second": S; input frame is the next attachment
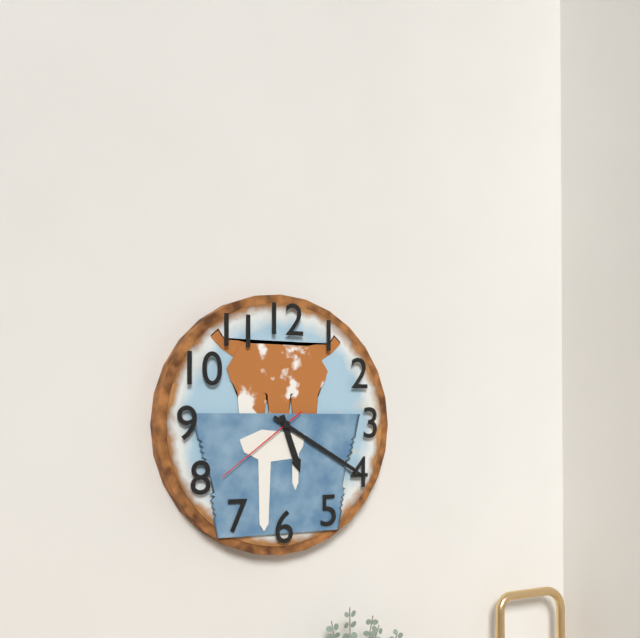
{"hour": 5, "minute": 20, "second": 39}
